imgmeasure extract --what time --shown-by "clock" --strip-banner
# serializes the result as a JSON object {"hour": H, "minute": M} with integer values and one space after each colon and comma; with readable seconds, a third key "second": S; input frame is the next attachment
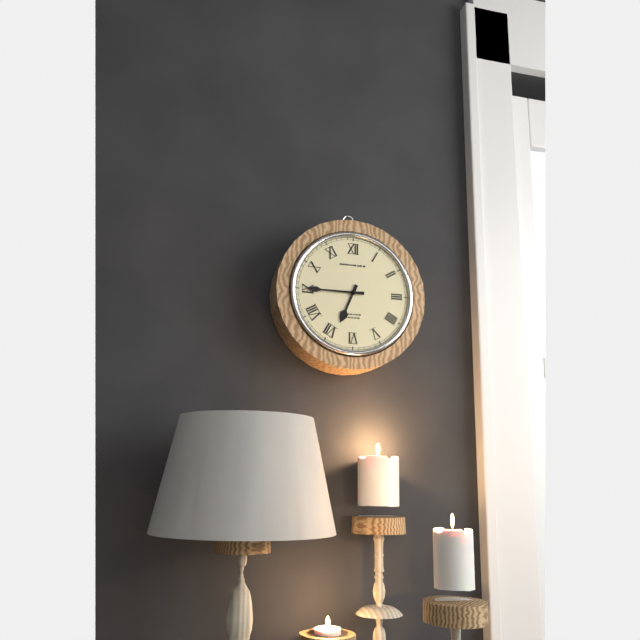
{"hour": 6, "minute": 45}
